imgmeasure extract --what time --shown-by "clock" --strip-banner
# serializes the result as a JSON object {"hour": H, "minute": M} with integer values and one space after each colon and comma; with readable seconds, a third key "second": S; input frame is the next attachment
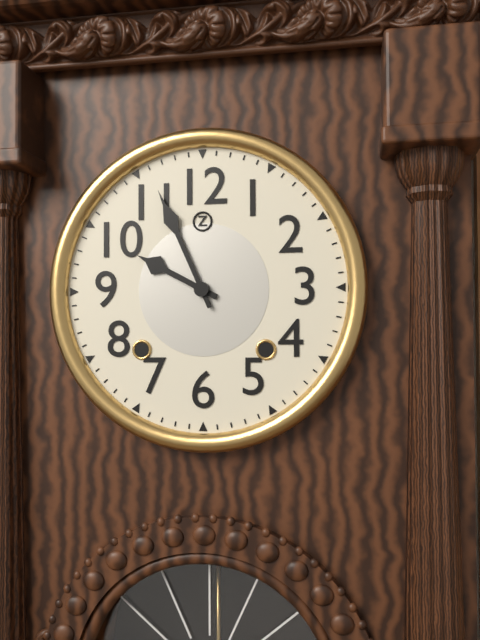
{"hour": 9, "minute": 56}
